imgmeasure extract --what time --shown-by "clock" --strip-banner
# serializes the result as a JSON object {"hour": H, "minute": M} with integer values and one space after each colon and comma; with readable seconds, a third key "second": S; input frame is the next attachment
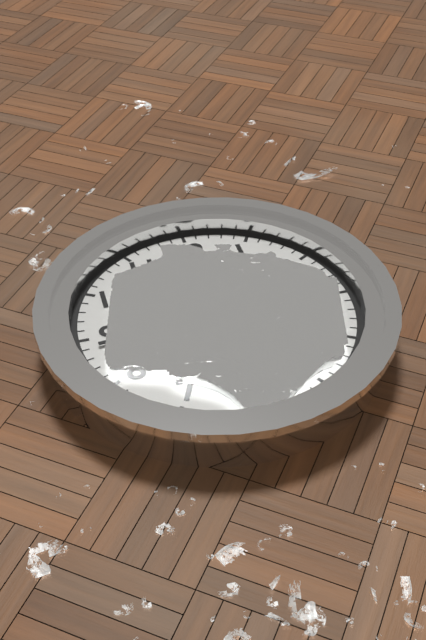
{"hour": 1, "minute": 44}
